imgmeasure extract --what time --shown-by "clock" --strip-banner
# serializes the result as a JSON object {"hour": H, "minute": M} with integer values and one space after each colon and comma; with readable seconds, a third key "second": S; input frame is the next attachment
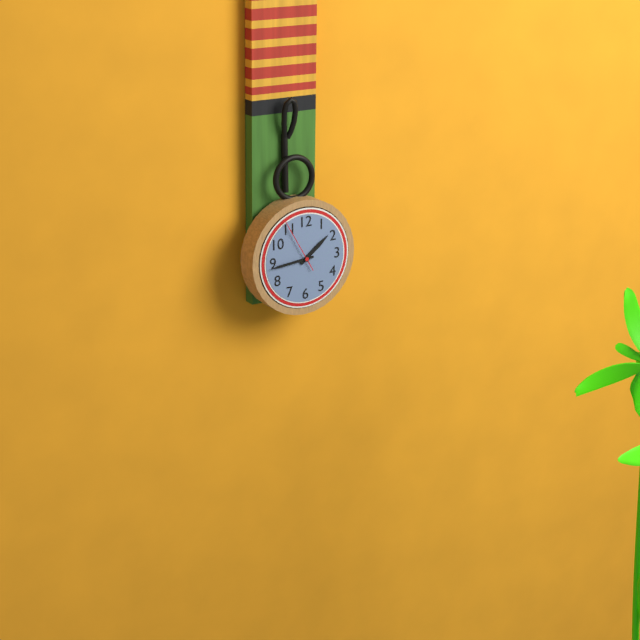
{"hour": 1, "minute": 44, "second": 55}
